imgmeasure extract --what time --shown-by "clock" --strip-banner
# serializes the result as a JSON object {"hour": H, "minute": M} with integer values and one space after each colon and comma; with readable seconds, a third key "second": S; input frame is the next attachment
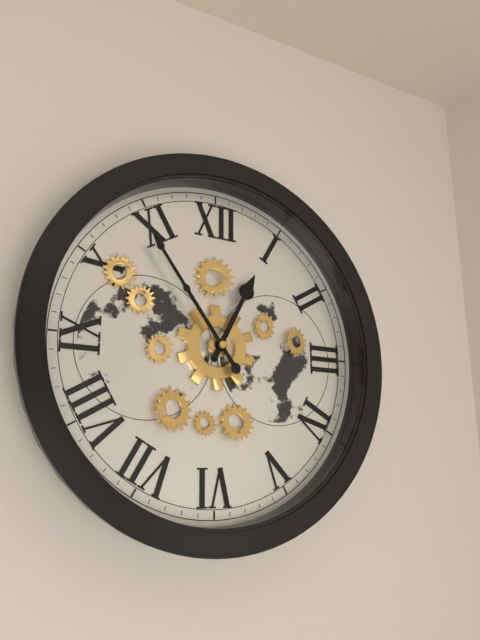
{"hour": 12, "minute": 54}
